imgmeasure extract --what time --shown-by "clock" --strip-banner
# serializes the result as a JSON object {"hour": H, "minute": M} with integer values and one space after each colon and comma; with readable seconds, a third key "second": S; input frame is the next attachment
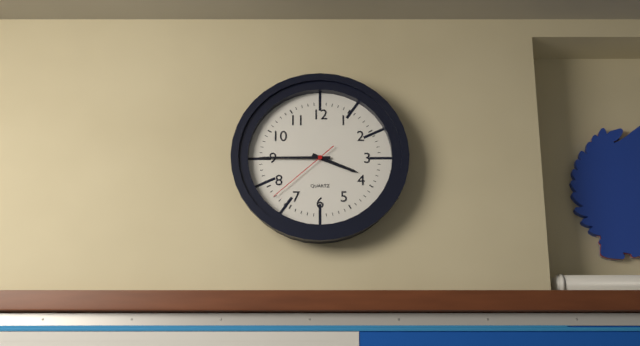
{"hour": 3, "minute": 45, "second": 38}
